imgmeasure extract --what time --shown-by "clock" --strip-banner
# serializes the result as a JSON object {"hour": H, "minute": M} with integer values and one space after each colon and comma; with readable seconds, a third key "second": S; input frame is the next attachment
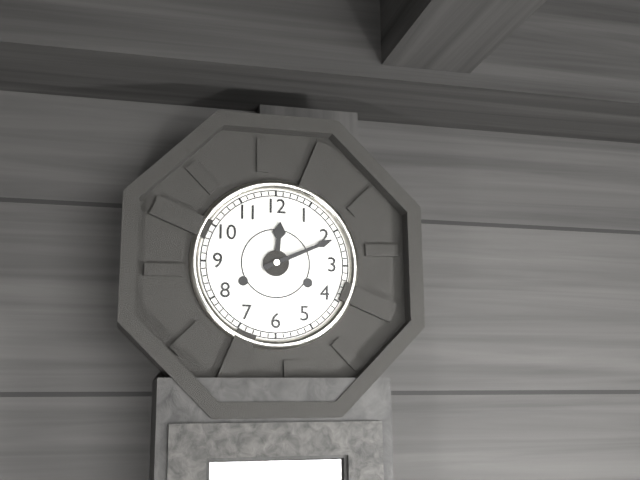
{"hour": 12, "minute": 11}
